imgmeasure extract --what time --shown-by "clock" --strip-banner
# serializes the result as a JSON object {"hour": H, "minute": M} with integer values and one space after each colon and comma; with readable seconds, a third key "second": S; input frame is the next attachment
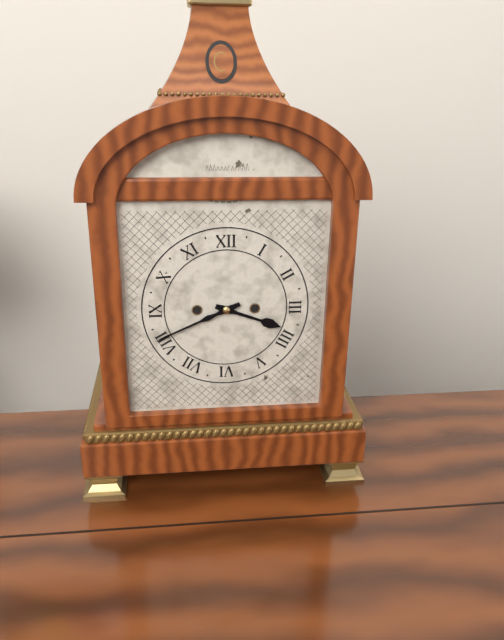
{"hour": 3, "minute": 41}
